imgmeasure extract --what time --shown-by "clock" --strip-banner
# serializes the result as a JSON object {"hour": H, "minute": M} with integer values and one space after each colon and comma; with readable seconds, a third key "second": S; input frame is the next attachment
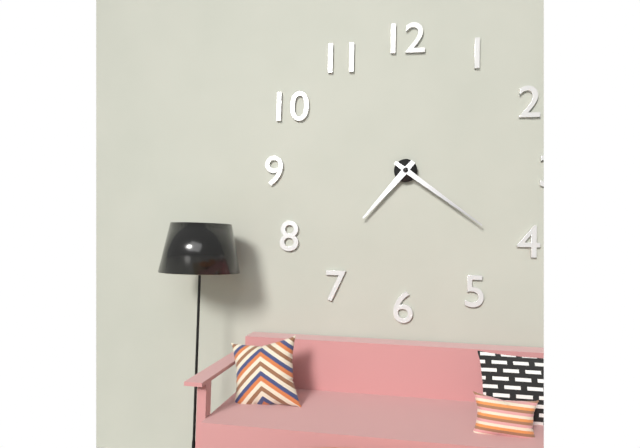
{"hour": 7, "minute": 21}
